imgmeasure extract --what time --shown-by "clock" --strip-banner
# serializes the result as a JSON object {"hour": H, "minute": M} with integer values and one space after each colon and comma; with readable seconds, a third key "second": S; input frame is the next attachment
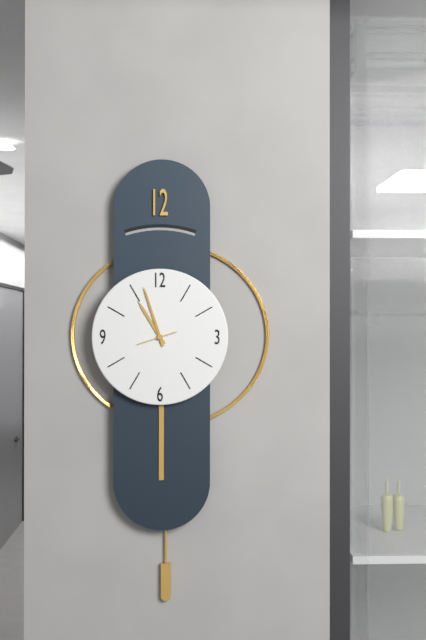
{"hour": 10, "minute": 57}
